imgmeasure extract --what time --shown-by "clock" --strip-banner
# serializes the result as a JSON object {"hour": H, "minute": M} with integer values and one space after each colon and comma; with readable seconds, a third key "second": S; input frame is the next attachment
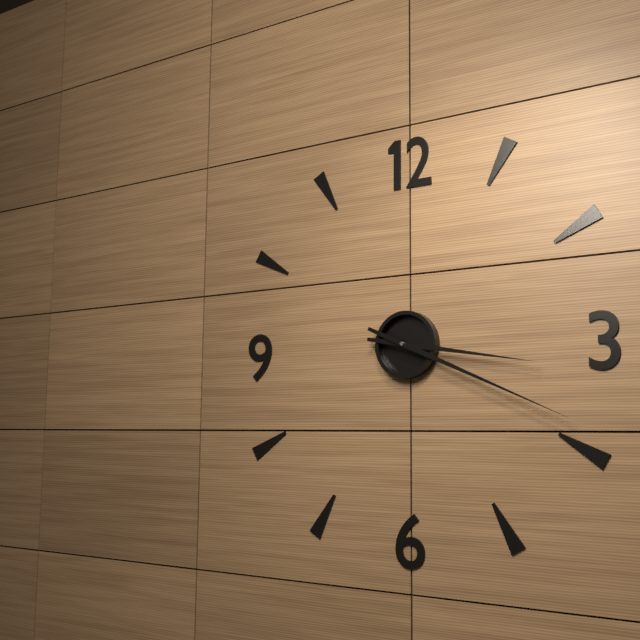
{"hour": 3, "minute": 19}
